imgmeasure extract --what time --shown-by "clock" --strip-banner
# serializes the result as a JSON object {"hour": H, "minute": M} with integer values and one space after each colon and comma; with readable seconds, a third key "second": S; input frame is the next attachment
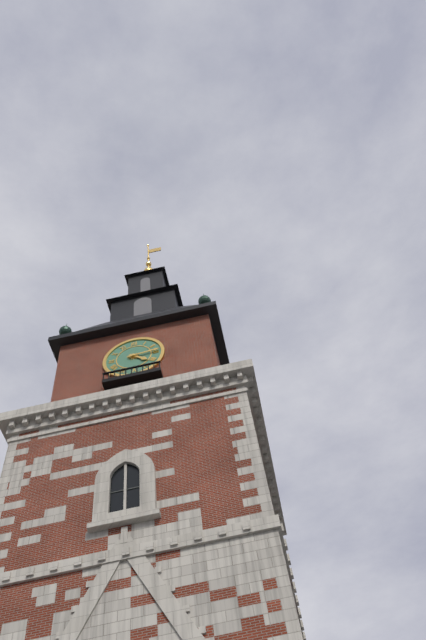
{"hour": 4, "minute": 14}
